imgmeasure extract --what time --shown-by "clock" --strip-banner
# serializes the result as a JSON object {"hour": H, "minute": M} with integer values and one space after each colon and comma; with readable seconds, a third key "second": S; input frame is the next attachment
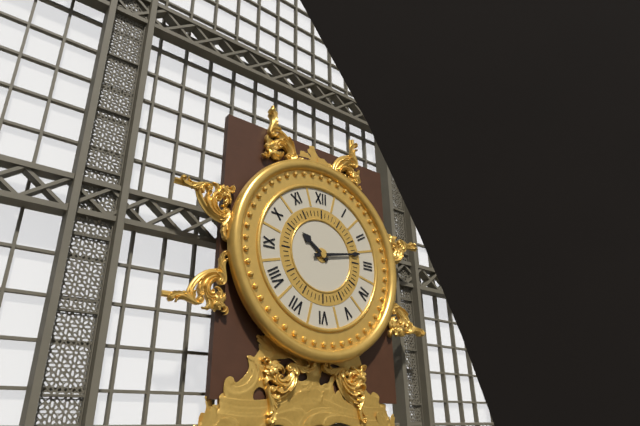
{"hour": 10, "minute": 13}
